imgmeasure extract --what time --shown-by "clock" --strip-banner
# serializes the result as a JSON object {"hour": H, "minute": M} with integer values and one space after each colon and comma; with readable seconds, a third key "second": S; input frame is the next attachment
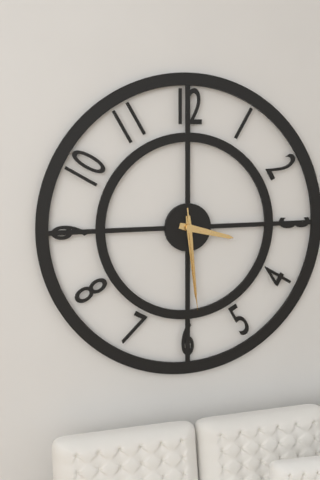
{"hour": 3, "minute": 29, "second": 29}
